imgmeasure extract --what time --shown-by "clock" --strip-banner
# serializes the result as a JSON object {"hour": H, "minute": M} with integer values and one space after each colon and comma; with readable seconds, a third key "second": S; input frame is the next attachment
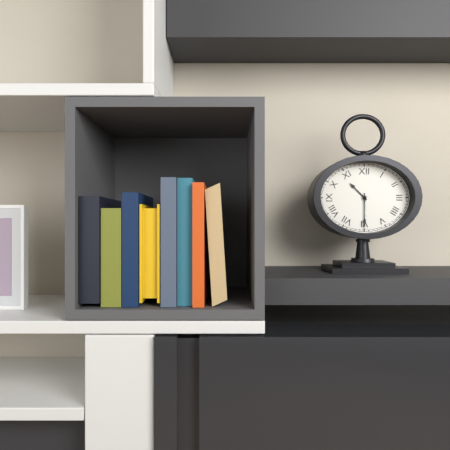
{"hour": 10, "minute": 30}
